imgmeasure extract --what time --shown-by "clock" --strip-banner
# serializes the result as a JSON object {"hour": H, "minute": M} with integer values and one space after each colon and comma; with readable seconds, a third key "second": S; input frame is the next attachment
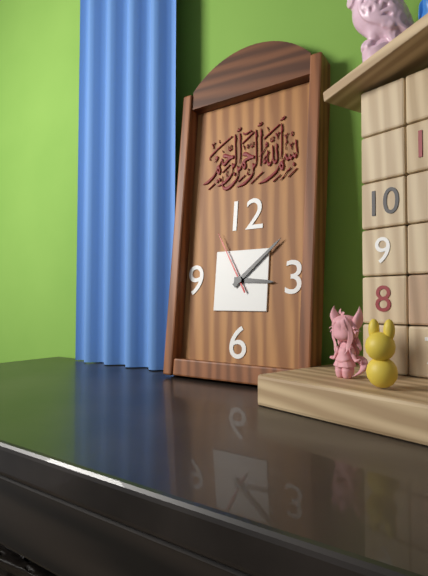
{"hour": 3, "minute": 8, "second": 55}
